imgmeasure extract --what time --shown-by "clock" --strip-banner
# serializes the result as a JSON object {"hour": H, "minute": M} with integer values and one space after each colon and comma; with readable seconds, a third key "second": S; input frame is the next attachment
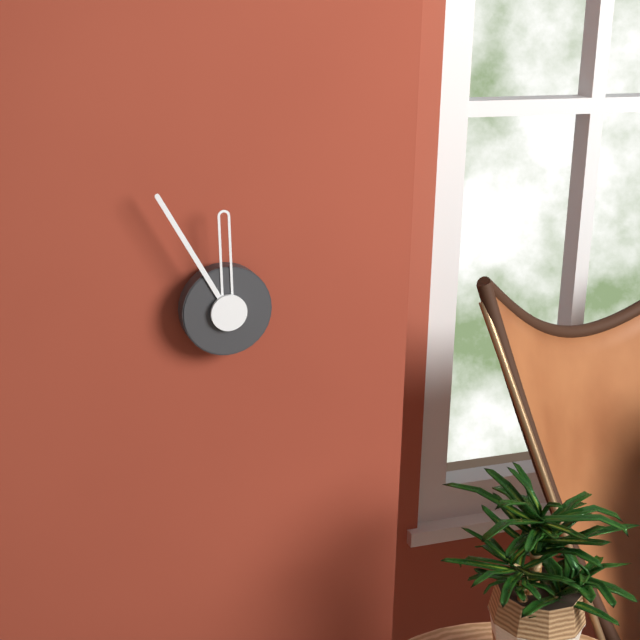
{"hour": 11, "minute": 55}
